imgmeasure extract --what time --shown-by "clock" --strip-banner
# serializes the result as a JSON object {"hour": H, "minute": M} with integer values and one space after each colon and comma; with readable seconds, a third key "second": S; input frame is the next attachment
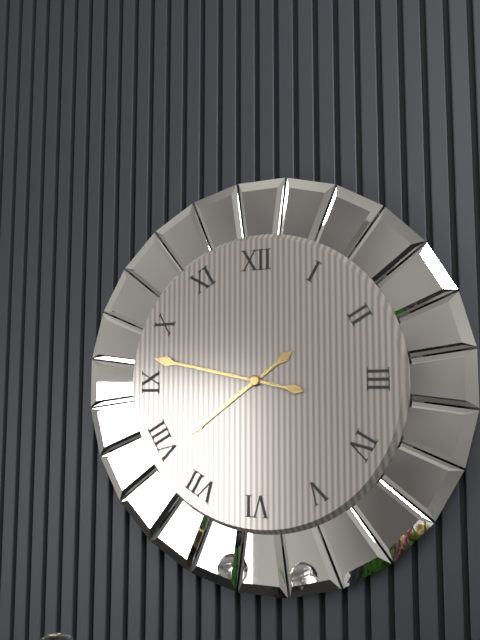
{"hour": 7, "minute": 47}
